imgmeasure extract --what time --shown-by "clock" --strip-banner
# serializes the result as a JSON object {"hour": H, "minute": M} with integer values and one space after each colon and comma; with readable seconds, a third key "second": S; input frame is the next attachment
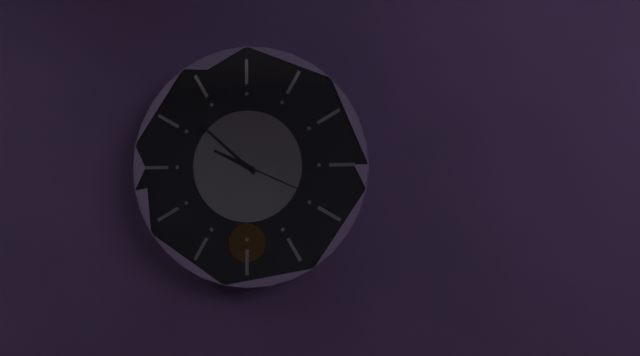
{"hour": 9, "minute": 52, "second": 19}
